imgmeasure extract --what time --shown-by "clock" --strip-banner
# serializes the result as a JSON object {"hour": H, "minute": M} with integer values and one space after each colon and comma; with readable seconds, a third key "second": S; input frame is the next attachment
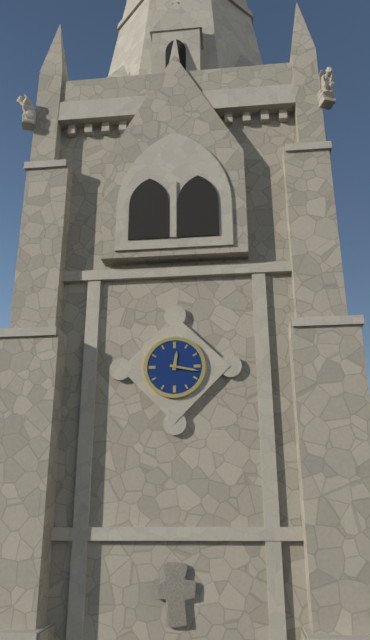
{"hour": 12, "minute": 17}
